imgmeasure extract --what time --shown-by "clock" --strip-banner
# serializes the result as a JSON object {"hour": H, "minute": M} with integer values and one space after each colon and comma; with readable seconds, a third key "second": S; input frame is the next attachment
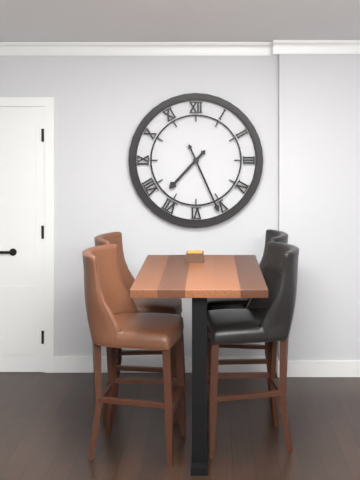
{"hour": 7, "minute": 26}
